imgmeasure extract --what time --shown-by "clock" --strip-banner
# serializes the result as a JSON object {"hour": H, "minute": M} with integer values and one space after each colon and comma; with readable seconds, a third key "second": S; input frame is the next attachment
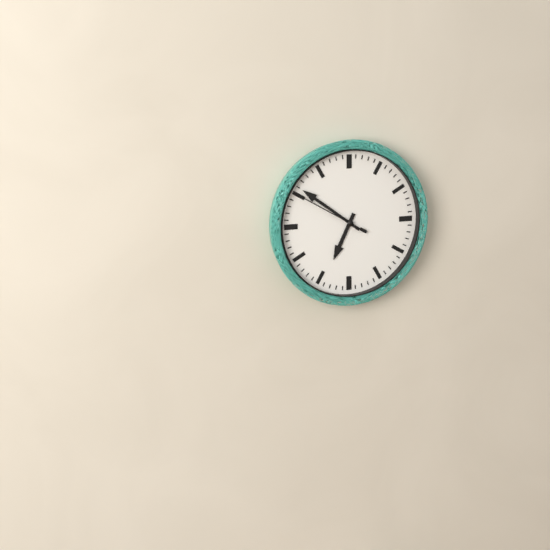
{"hour": 6, "minute": 51, "second": 50}
